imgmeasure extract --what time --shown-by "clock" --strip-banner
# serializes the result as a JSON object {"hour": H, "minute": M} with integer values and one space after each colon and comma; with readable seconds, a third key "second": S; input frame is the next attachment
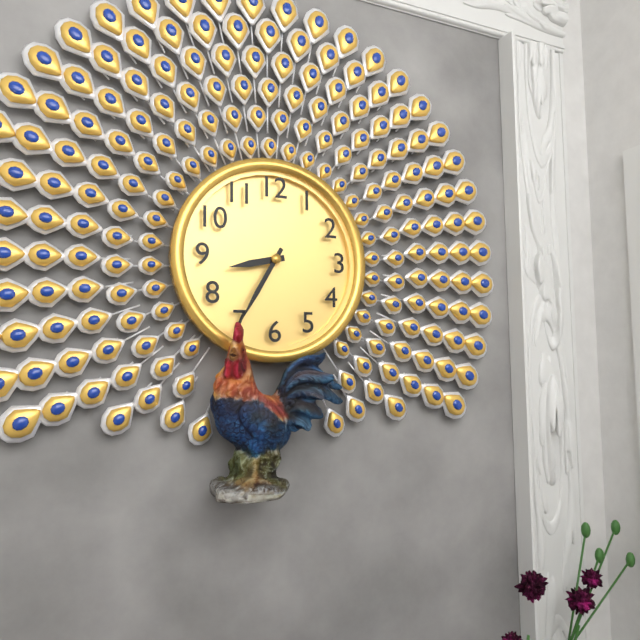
{"hour": 8, "minute": 35}
